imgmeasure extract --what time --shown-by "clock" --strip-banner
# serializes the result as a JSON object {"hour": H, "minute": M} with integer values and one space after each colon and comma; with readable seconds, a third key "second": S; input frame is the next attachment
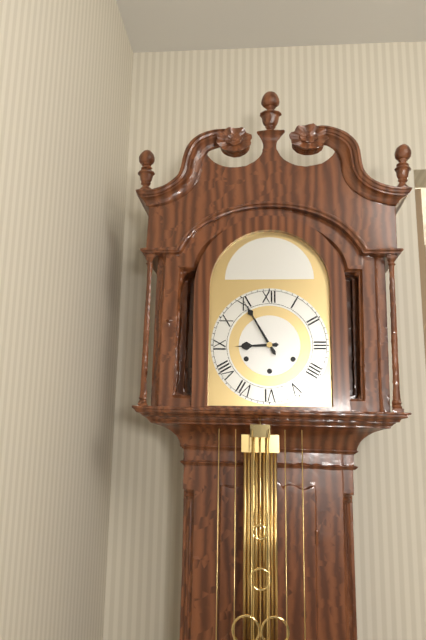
{"hour": 8, "minute": 55}
